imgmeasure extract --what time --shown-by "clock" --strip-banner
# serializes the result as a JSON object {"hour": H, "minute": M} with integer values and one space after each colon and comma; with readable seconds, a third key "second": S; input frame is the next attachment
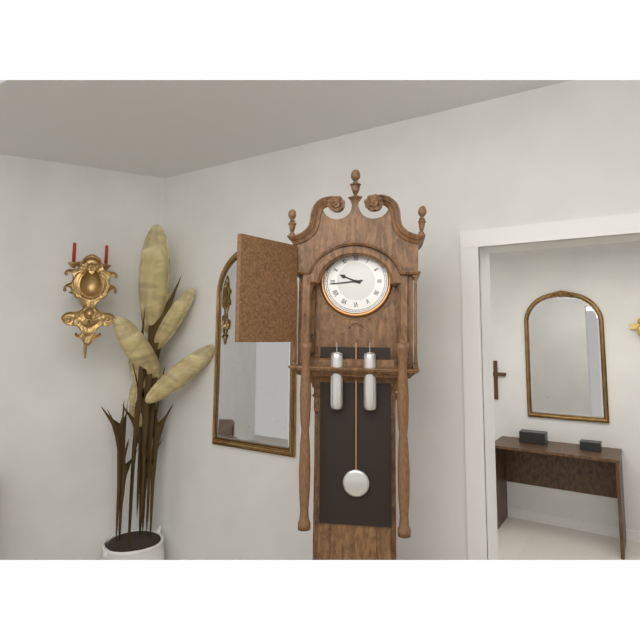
{"hour": 9, "minute": 44}
